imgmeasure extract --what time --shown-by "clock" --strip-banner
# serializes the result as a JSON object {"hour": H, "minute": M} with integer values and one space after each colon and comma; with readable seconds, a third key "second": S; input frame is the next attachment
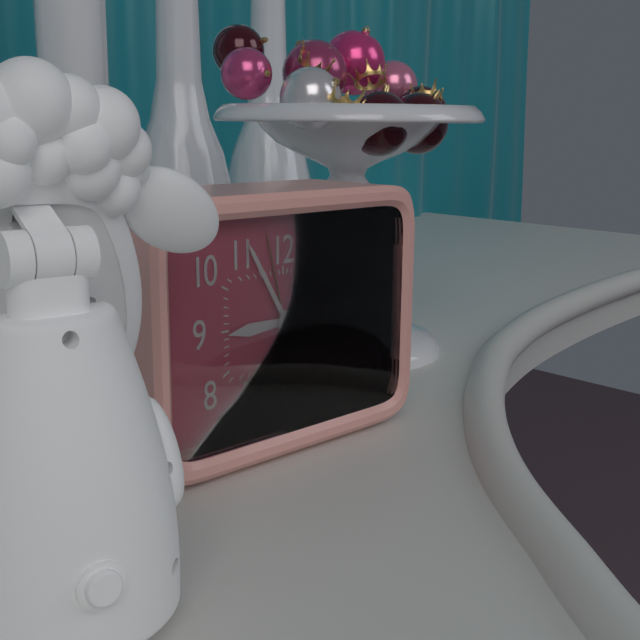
{"hour": 8, "minute": 55}
